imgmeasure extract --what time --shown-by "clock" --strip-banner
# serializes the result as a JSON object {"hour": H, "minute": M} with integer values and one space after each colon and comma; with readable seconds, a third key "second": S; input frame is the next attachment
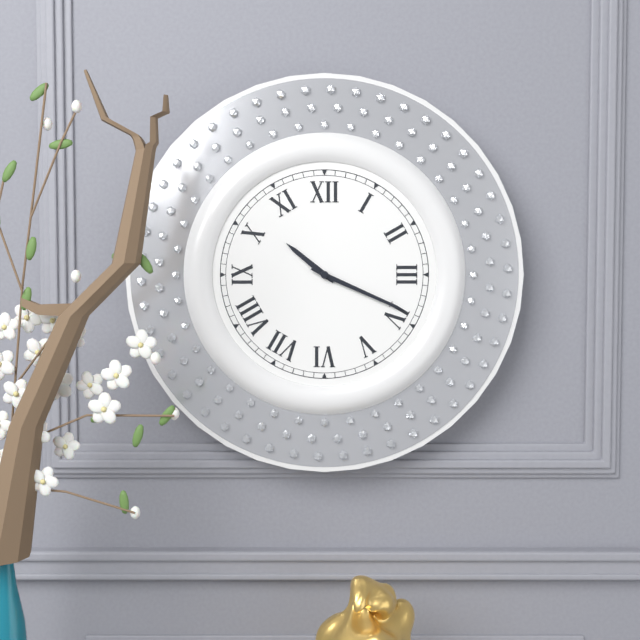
{"hour": 10, "minute": 19}
